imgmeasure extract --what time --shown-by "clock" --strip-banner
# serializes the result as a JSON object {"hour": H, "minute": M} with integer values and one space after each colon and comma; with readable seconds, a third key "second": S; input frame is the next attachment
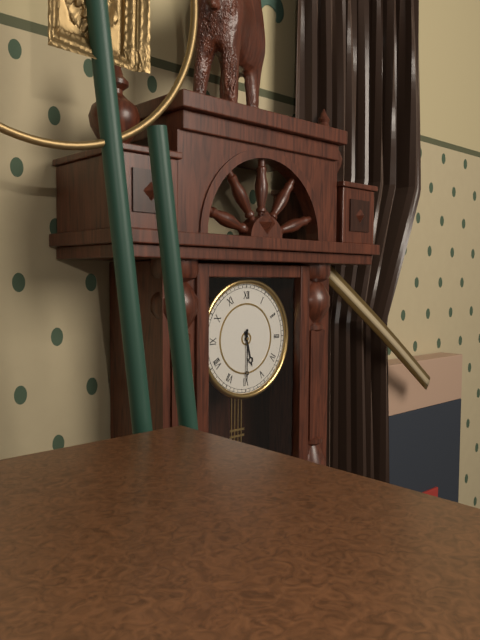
{"hour": 5, "minute": 30}
